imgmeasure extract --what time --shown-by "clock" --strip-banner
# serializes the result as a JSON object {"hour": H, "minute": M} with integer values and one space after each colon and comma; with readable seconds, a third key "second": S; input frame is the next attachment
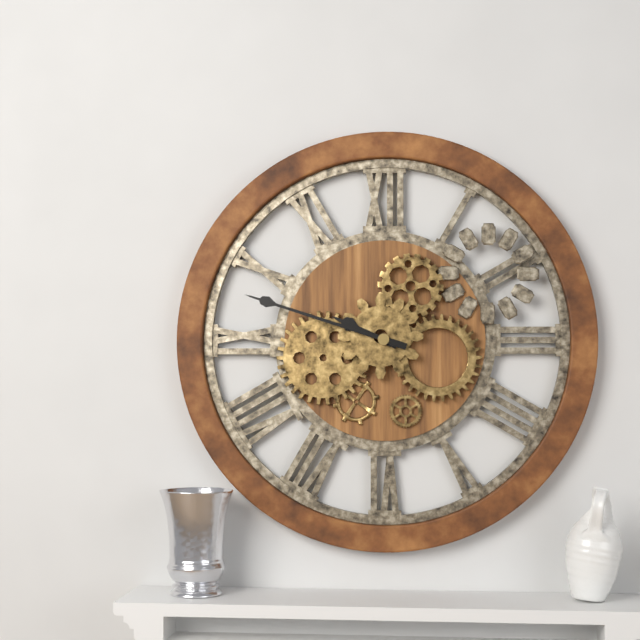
{"hour": 9, "minute": 48}
